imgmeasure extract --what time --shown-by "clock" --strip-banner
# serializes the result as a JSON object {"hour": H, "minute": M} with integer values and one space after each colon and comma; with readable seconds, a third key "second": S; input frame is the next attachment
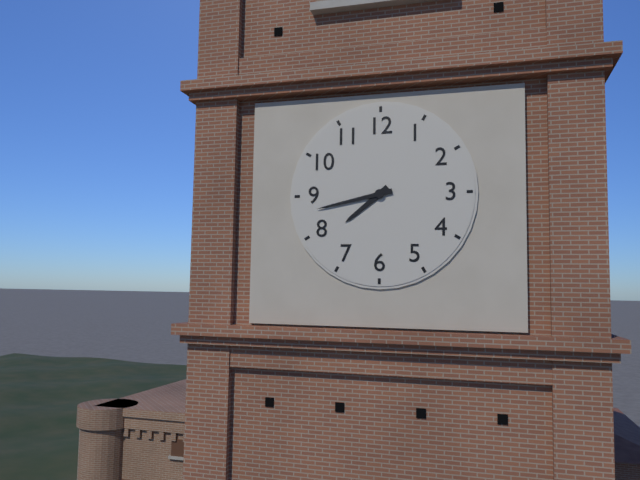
{"hour": 7, "minute": 43}
